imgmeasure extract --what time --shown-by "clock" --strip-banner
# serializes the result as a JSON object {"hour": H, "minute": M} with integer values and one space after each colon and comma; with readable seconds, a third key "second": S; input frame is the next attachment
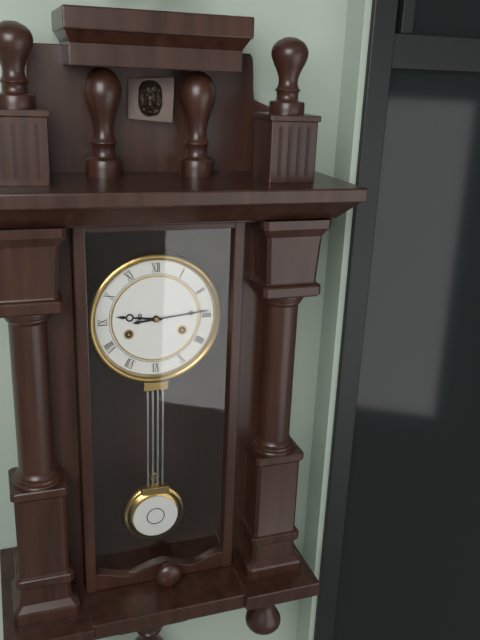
{"hour": 9, "minute": 14}
